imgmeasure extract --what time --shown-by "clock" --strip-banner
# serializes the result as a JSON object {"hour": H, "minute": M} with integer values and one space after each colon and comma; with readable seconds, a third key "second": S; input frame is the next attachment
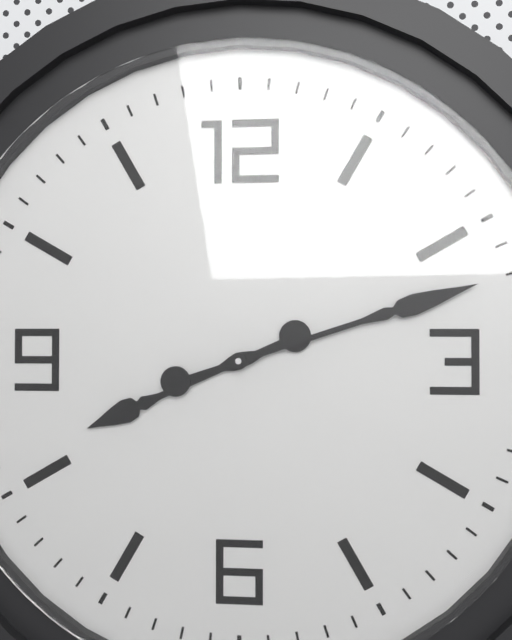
{"hour": 8, "minute": 12}
